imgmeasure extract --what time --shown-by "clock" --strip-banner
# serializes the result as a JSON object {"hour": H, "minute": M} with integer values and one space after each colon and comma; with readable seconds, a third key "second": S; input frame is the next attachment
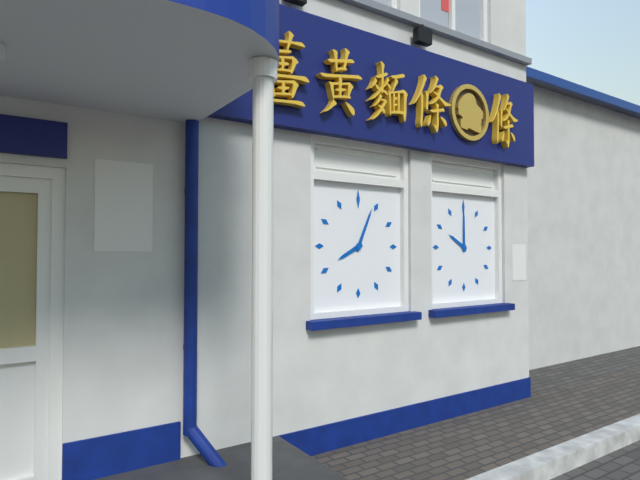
{"hour": 8, "minute": 4}
